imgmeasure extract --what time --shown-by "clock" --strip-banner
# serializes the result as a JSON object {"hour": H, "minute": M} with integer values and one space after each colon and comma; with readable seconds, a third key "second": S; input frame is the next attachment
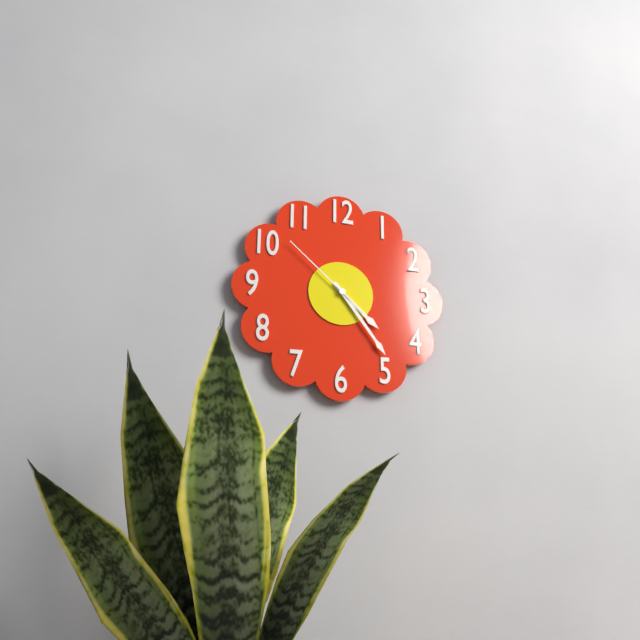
{"hour": 4, "minute": 24, "second": 52}
